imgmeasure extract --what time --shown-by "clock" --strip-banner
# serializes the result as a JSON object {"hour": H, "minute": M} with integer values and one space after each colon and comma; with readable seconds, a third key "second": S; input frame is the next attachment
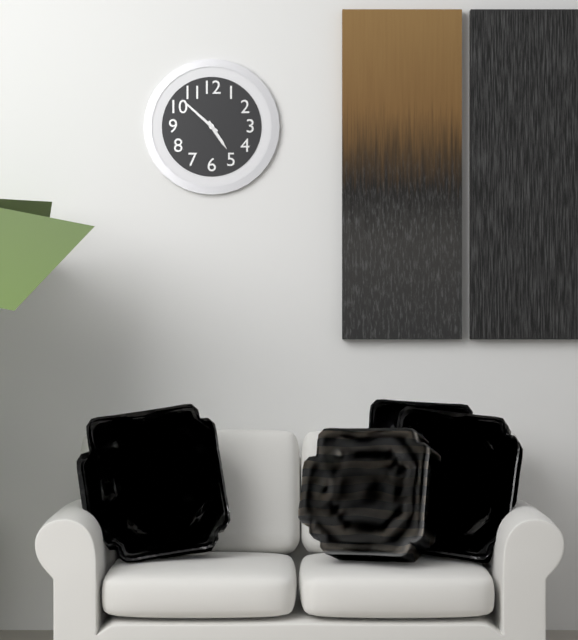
{"hour": 4, "minute": 52}
